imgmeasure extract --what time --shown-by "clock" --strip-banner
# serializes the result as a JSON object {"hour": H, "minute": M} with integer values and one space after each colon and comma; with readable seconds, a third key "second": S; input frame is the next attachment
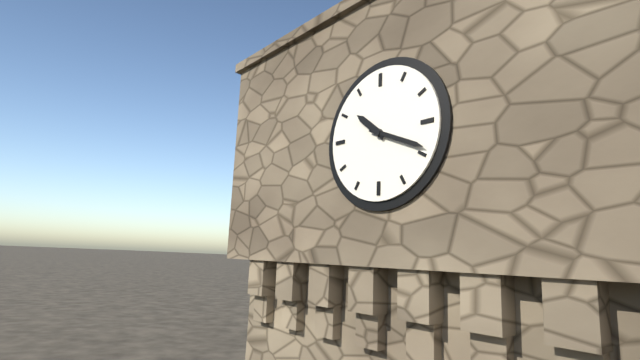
{"hour": 10, "minute": 19}
